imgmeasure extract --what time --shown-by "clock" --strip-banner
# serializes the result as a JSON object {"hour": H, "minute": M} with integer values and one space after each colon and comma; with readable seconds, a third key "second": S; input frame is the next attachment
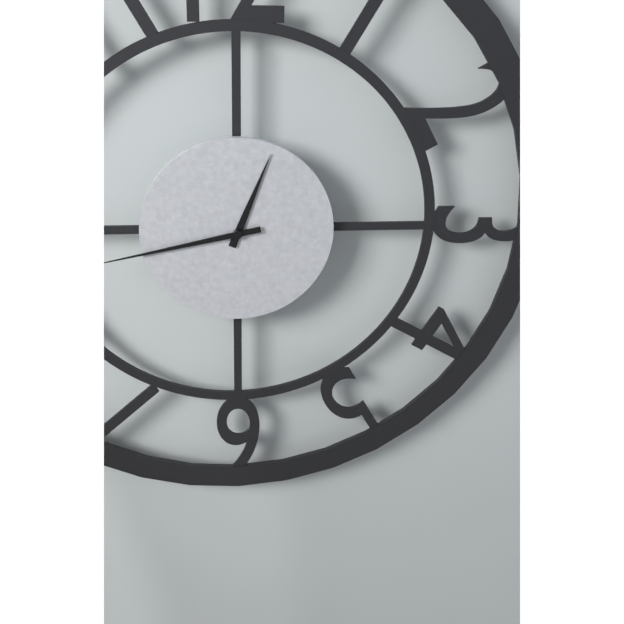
{"hour": 12, "minute": 43}
